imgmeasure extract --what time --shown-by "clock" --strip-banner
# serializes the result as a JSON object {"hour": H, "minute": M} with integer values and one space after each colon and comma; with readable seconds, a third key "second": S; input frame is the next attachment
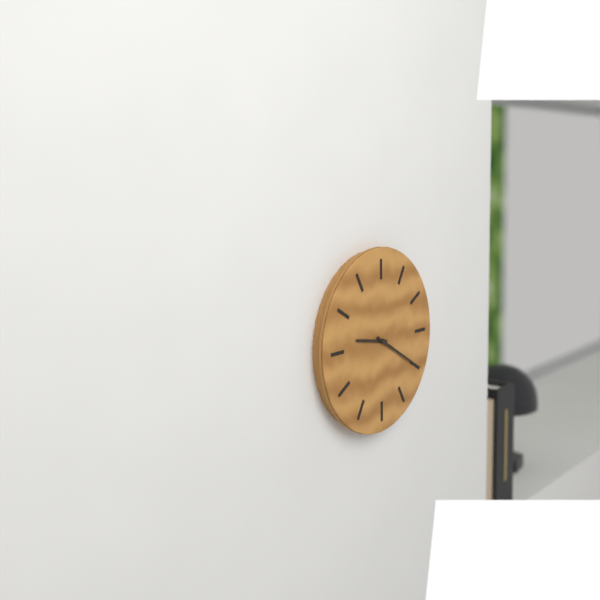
{"hour": 9, "minute": 20}
